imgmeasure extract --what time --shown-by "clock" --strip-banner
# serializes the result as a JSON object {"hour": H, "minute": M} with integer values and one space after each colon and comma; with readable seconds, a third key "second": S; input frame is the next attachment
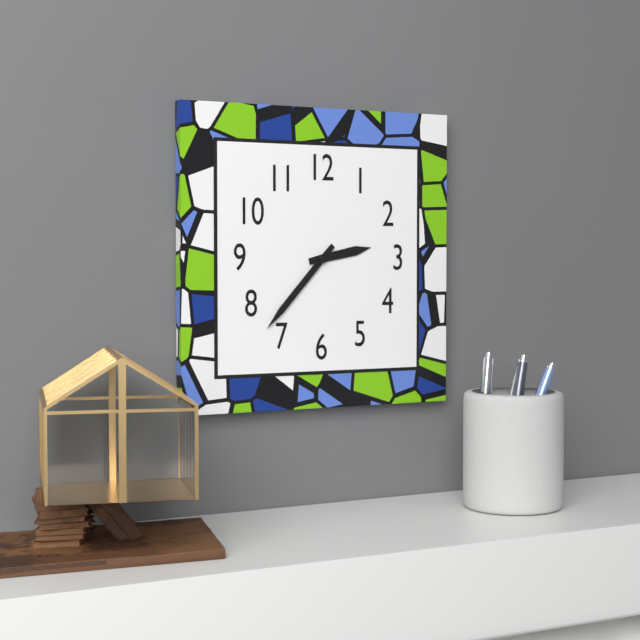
{"hour": 2, "minute": 37}
